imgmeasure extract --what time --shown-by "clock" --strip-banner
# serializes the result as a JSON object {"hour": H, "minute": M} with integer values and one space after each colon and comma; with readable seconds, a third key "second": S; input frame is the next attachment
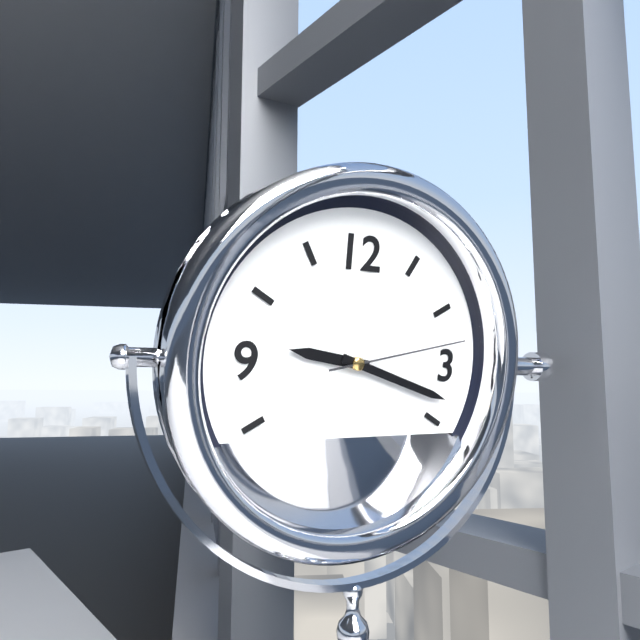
{"hour": 9, "minute": 18, "second": 13}
